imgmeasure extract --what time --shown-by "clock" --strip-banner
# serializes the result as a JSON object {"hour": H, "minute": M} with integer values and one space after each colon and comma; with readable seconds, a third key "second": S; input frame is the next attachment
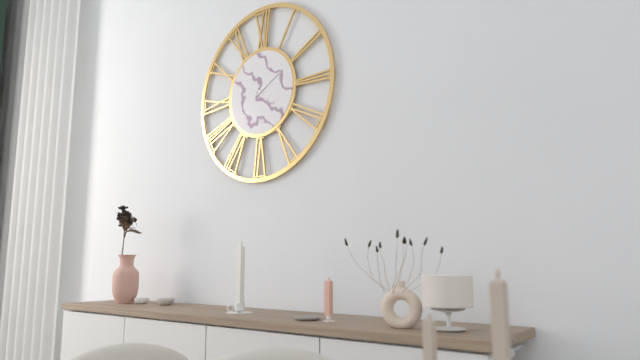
{"hour": 10, "minute": 10}
